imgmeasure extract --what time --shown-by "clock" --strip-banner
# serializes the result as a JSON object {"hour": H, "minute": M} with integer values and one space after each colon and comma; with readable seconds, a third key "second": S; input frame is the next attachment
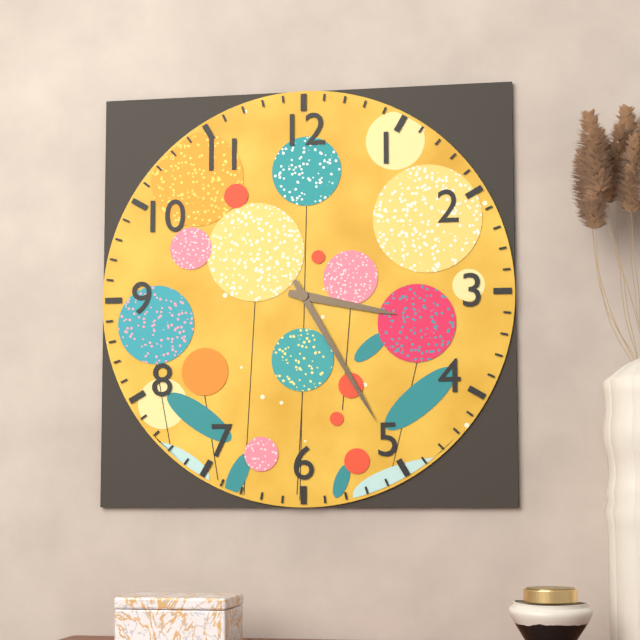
{"hour": 3, "minute": 25}
